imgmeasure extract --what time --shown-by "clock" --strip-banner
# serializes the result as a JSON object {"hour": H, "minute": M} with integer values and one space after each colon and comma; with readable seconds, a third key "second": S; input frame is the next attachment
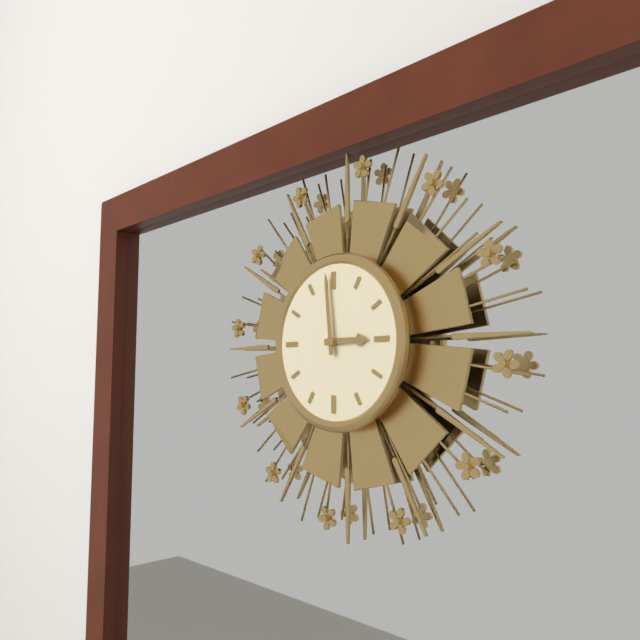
{"hour": 2, "minute": 59}
